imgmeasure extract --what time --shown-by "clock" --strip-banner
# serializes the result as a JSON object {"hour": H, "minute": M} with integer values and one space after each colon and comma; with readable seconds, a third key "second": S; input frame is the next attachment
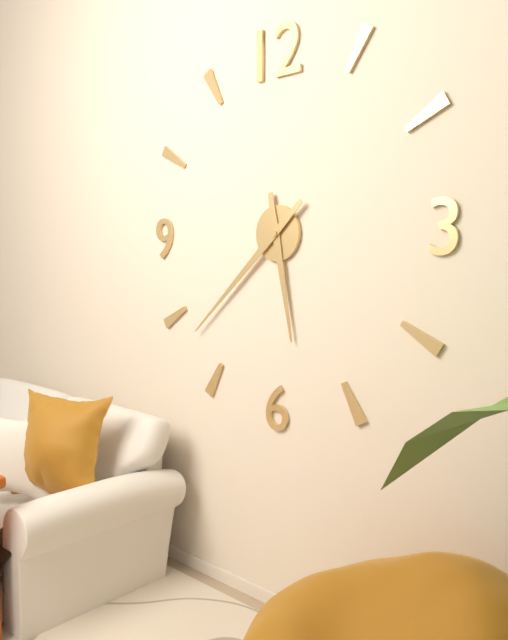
{"hour": 5, "minute": 38}
